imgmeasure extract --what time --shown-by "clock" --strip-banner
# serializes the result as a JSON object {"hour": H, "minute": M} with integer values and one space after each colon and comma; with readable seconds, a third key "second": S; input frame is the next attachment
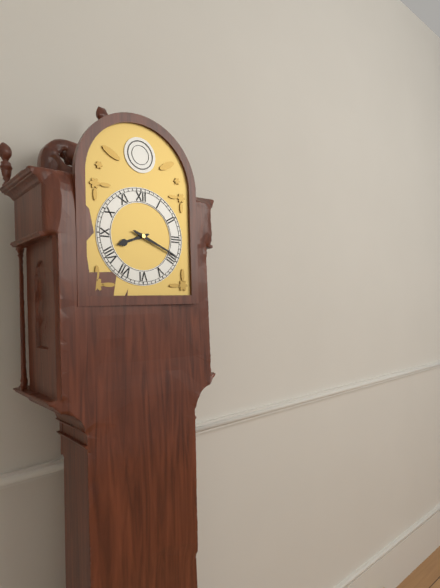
{"hour": 8, "minute": 19}
